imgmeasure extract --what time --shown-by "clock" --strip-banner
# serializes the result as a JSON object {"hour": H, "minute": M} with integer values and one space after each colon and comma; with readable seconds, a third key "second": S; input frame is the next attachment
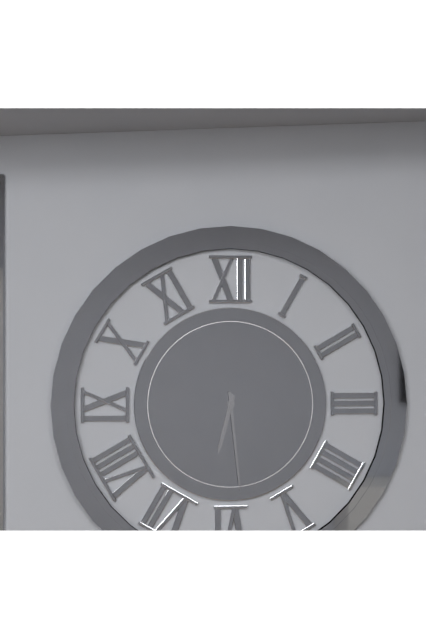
{"hour": 6, "minute": 29}
